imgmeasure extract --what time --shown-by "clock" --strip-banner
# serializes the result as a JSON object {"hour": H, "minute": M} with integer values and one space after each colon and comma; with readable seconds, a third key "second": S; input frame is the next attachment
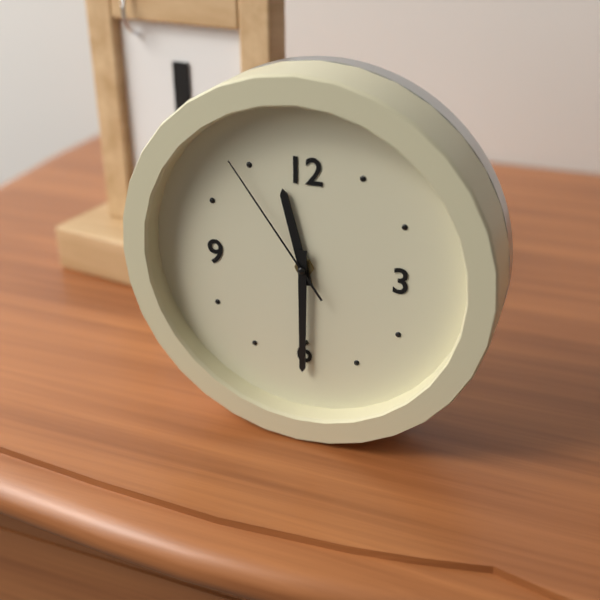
{"hour": 11, "minute": 30, "second": 54}
